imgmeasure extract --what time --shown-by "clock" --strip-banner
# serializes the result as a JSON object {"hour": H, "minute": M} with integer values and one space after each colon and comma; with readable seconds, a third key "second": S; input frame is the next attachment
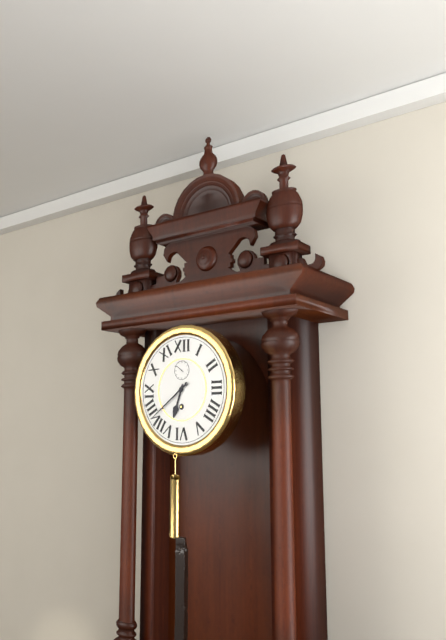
{"hour": 6, "minute": 39}
